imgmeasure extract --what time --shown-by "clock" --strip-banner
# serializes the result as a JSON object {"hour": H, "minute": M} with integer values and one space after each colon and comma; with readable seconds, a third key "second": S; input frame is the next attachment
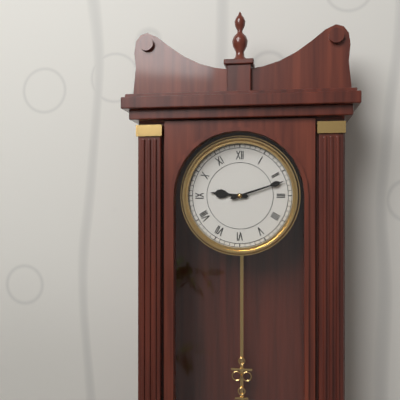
{"hour": 9, "minute": 12}
